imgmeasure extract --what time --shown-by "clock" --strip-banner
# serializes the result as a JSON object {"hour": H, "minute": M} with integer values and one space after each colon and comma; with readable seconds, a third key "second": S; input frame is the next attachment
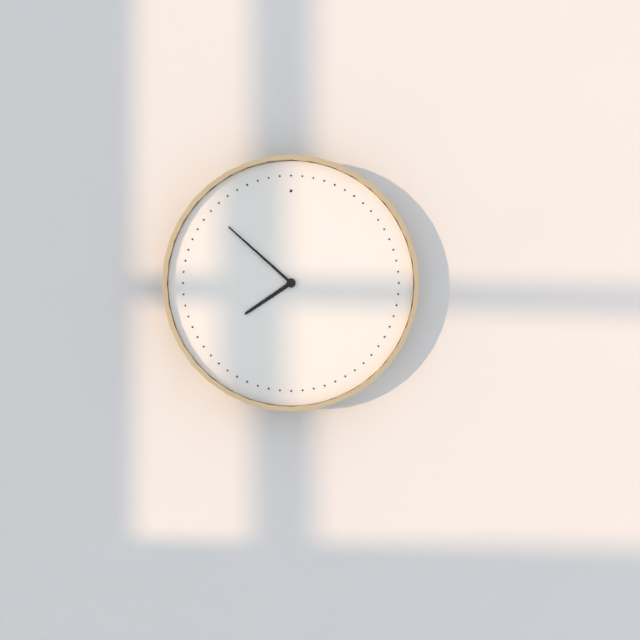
{"hour": 7, "minute": 52}
